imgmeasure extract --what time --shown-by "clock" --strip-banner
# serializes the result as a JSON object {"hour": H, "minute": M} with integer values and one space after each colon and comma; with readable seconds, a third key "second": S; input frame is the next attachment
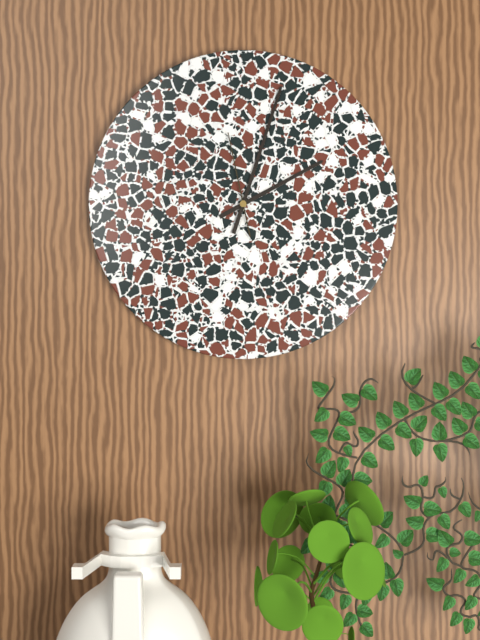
{"hour": 2, "minute": 3, "second": 58}
